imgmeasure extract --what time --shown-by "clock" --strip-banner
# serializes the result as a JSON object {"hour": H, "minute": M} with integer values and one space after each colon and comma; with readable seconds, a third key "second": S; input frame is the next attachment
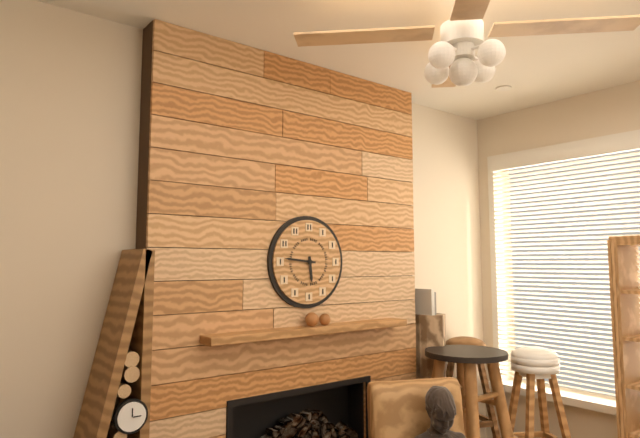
{"hour": 5, "minute": 46}
